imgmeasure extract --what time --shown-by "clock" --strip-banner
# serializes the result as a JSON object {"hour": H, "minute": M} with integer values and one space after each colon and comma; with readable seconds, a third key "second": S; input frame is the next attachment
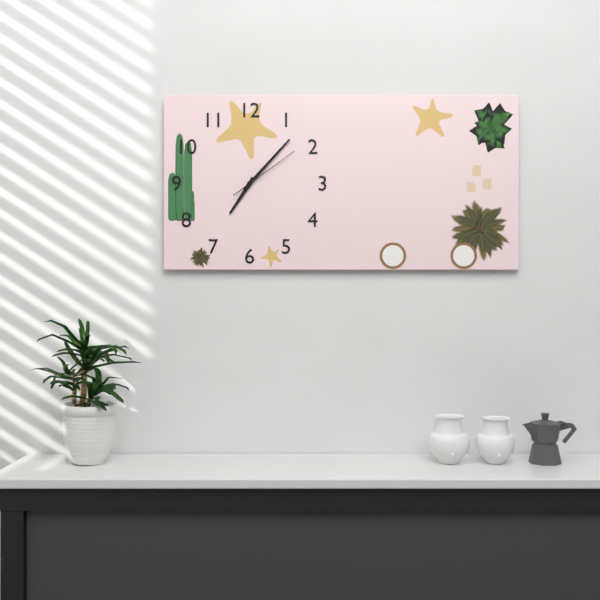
{"hour": 7, "minute": 7, "second": 9}
